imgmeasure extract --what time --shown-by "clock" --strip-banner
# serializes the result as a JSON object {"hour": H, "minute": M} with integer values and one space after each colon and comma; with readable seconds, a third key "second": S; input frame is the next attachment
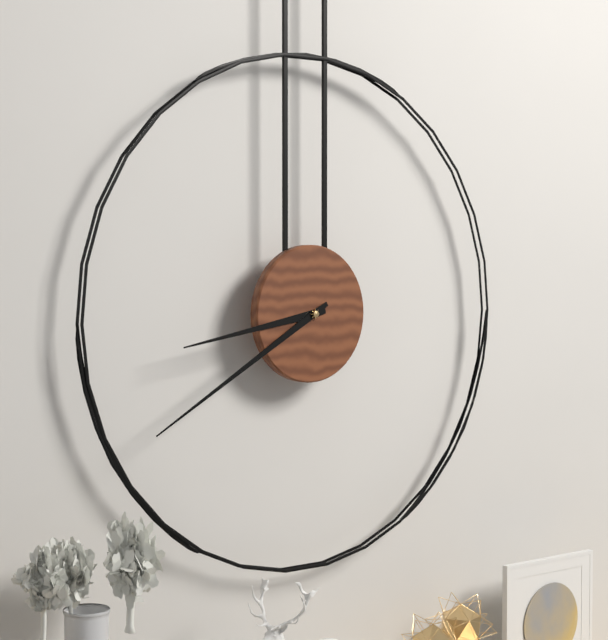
{"hour": 8, "minute": 40}
